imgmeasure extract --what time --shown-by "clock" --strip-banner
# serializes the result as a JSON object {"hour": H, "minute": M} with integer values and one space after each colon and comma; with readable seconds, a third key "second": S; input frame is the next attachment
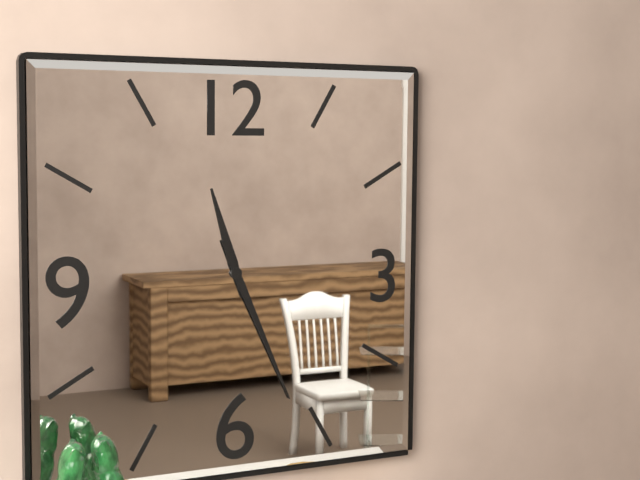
{"hour": 11, "minute": 26}
